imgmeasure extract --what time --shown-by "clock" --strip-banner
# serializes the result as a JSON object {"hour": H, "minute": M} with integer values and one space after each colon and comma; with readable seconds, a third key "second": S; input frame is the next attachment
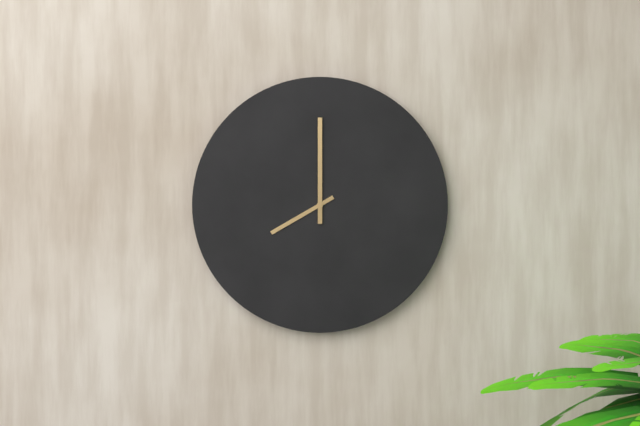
{"hour": 8, "minute": 0}
